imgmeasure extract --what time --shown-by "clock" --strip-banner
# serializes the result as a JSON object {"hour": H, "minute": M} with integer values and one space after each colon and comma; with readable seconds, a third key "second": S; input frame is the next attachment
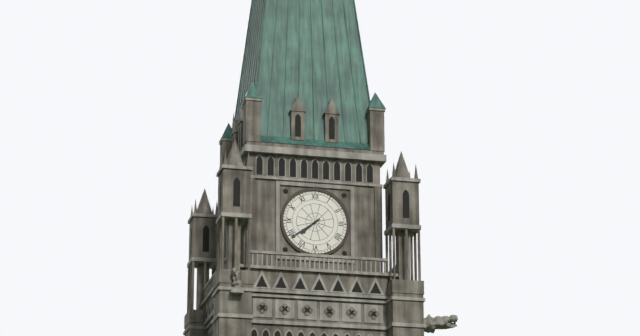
{"hour": 7, "minute": 39}
